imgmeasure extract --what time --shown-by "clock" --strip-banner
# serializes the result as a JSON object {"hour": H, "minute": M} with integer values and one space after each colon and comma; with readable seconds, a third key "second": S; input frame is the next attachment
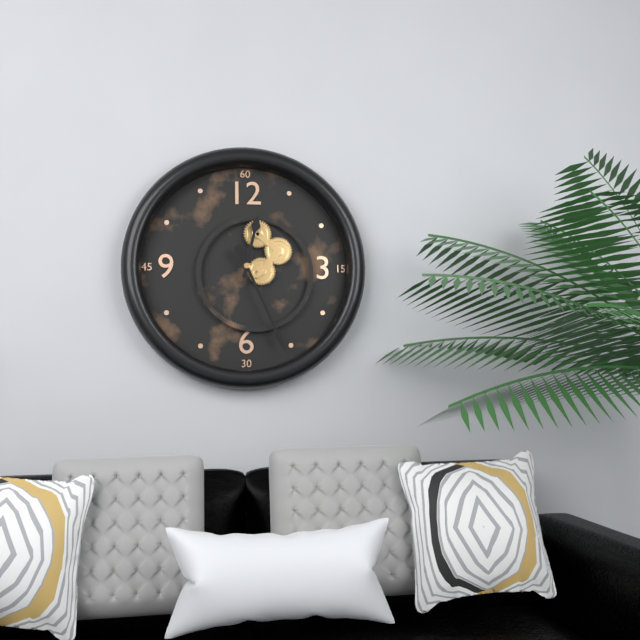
{"hour": 12, "minute": 26}
